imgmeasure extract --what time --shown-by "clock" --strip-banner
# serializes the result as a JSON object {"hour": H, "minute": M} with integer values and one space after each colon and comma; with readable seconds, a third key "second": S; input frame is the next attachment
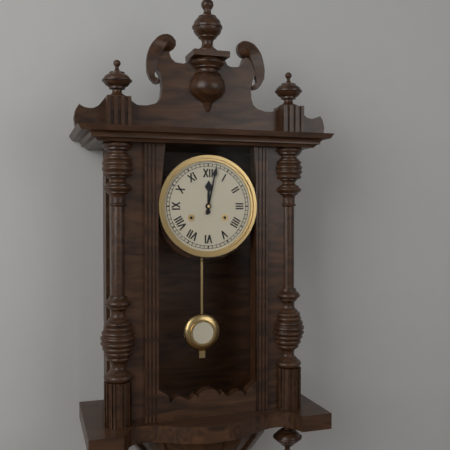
{"hour": 12, "minute": 2}
